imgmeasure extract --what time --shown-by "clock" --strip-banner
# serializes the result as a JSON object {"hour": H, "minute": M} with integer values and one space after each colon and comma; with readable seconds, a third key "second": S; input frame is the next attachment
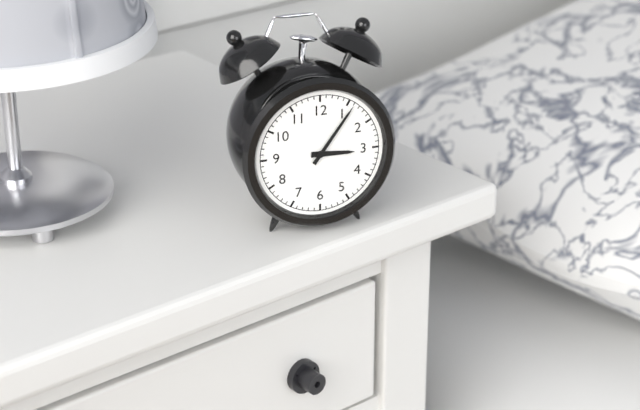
{"hour": 3, "minute": 6}
